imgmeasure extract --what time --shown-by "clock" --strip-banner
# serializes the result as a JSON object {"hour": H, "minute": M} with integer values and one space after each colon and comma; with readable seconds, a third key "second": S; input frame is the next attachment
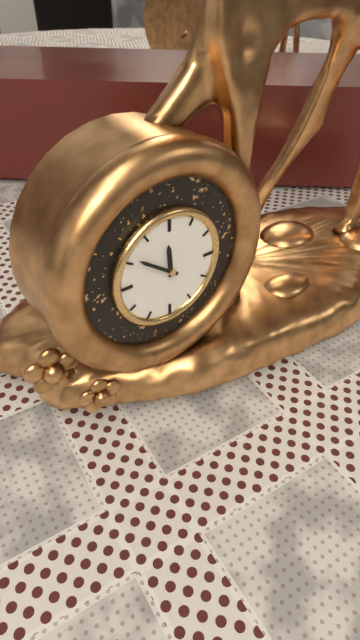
{"hour": 11, "minute": 51}
